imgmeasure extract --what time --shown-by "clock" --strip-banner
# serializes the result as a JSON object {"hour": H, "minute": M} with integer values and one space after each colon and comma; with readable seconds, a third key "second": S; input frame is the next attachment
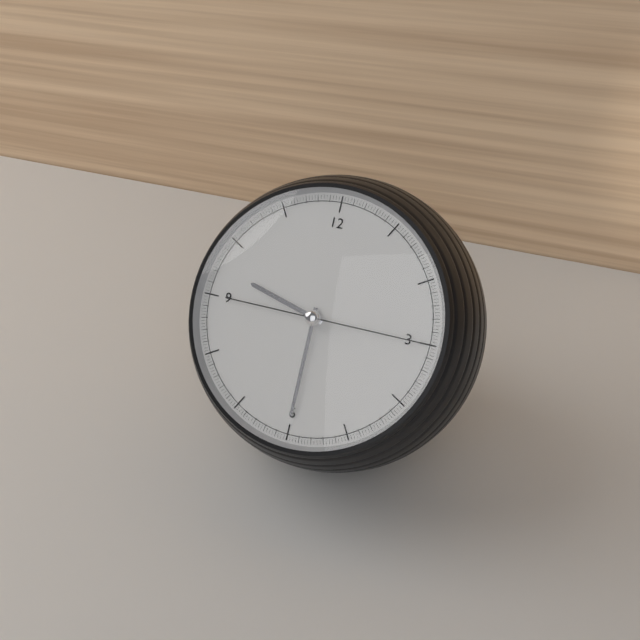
{"hour": 9, "minute": 30, "second": 15}
